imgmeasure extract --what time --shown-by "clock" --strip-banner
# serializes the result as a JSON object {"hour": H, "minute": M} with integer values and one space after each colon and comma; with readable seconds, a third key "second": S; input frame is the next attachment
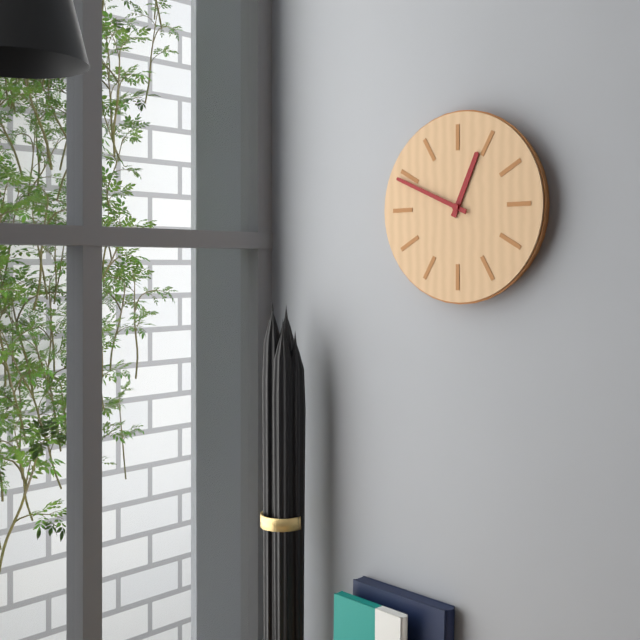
{"hour": 12, "minute": 49}
